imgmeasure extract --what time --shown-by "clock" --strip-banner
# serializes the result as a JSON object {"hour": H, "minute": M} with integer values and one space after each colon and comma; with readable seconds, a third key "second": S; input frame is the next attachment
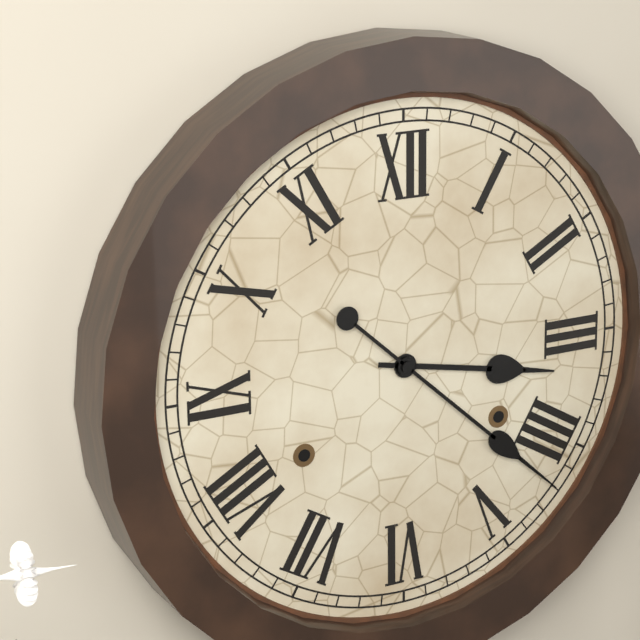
{"hour": 3, "minute": 22}
